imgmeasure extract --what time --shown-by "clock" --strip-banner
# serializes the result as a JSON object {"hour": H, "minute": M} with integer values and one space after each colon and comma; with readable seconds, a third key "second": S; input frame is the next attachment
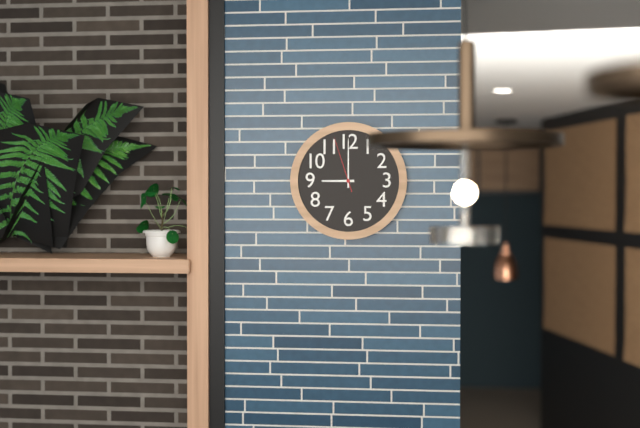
{"hour": 9, "minute": 0, "second": 57}
